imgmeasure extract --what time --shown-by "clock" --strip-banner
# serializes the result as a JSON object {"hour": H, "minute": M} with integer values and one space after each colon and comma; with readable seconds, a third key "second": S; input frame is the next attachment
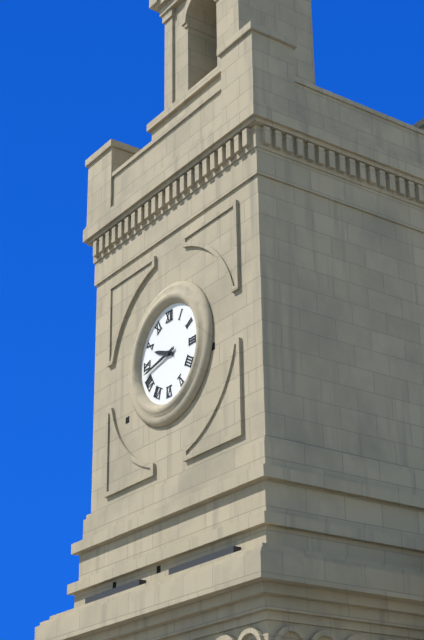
{"hour": 9, "minute": 43}
